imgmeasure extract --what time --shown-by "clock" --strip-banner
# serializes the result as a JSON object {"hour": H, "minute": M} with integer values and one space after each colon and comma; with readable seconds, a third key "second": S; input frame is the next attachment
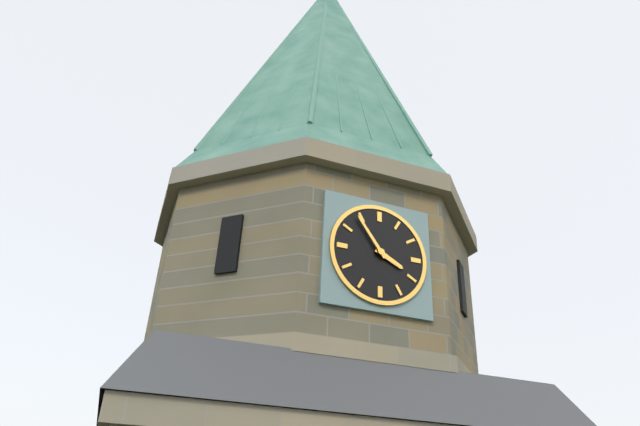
{"hour": 3, "minute": 54}
